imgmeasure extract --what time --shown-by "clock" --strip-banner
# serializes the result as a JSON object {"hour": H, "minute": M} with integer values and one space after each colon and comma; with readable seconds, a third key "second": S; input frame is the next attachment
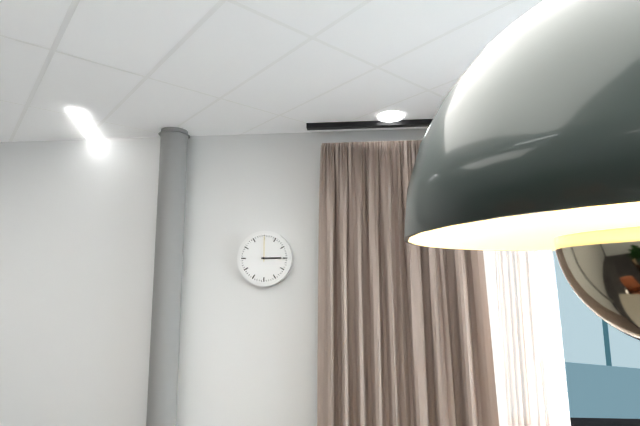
{"hour": 3, "minute": 0}
